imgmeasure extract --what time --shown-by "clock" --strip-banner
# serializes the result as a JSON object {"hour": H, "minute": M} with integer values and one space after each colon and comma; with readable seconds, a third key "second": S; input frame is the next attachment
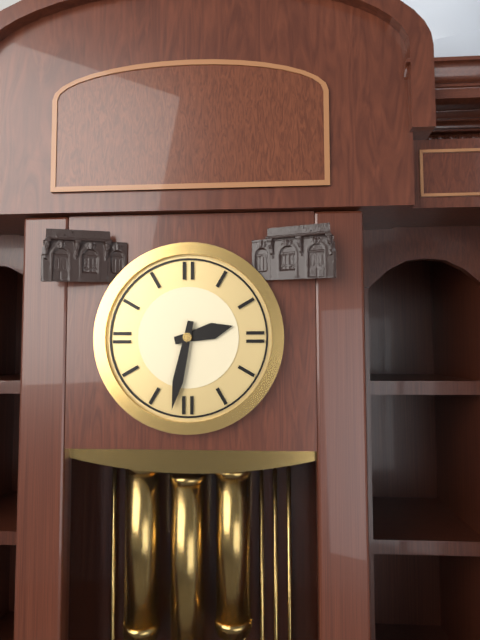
{"hour": 2, "minute": 32}
